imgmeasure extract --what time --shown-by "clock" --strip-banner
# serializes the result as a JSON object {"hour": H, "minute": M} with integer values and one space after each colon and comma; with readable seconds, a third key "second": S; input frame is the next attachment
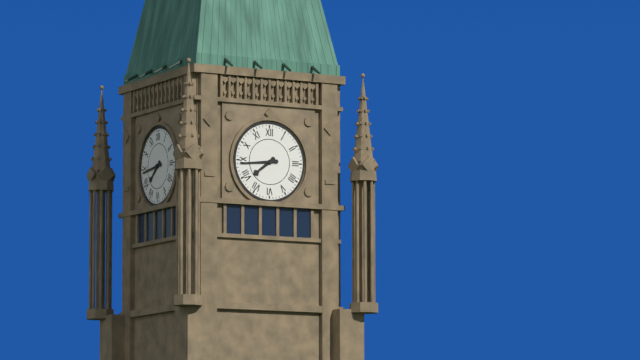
{"hour": 7, "minute": 44}
